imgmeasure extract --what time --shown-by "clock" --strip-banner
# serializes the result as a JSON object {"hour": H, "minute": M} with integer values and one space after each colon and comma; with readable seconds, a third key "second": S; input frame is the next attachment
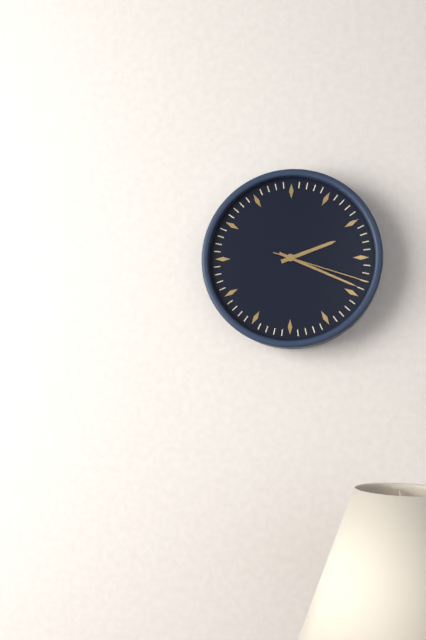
{"hour": 2, "minute": 19, "second": 18}
